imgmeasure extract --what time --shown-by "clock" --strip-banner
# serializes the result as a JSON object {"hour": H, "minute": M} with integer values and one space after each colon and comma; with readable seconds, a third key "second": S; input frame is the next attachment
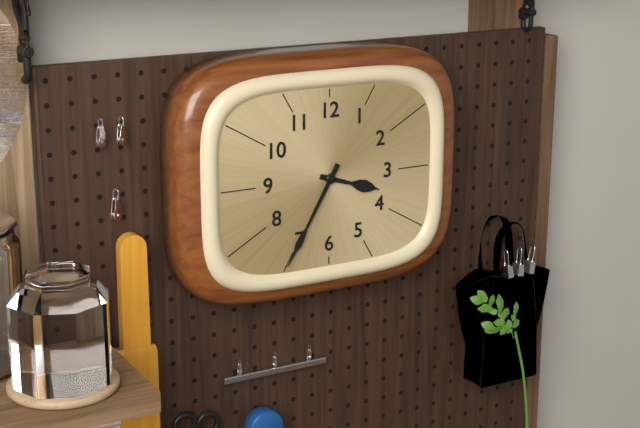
{"hour": 3, "minute": 35}
